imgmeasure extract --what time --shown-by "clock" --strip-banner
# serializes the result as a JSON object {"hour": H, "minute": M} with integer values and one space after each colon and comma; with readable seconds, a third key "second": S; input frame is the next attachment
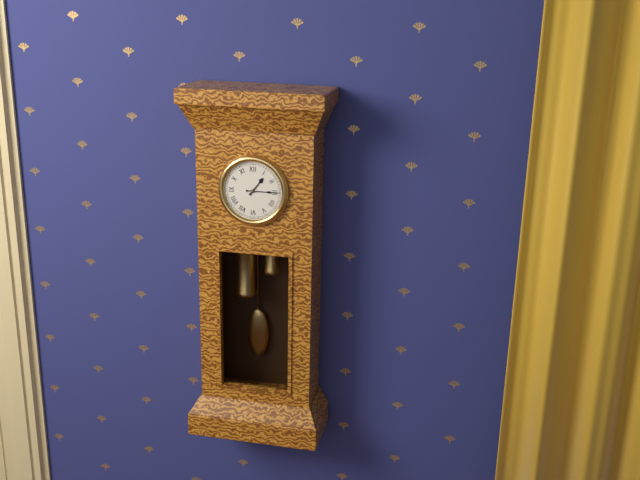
{"hour": 1, "minute": 15}
